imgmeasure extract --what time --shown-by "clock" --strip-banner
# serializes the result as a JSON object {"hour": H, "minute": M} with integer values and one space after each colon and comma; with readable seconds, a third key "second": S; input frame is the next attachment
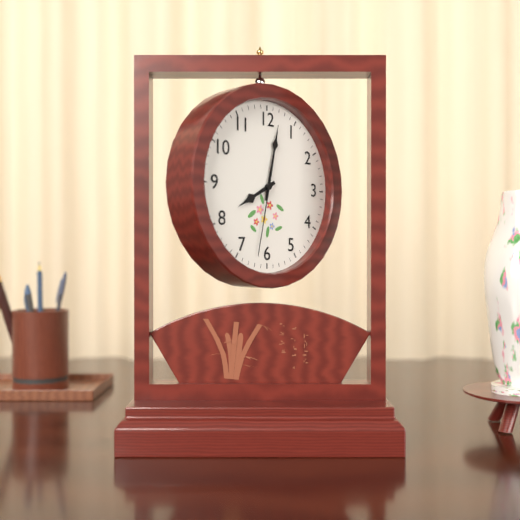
{"hour": 8, "minute": 2, "second": 32}
